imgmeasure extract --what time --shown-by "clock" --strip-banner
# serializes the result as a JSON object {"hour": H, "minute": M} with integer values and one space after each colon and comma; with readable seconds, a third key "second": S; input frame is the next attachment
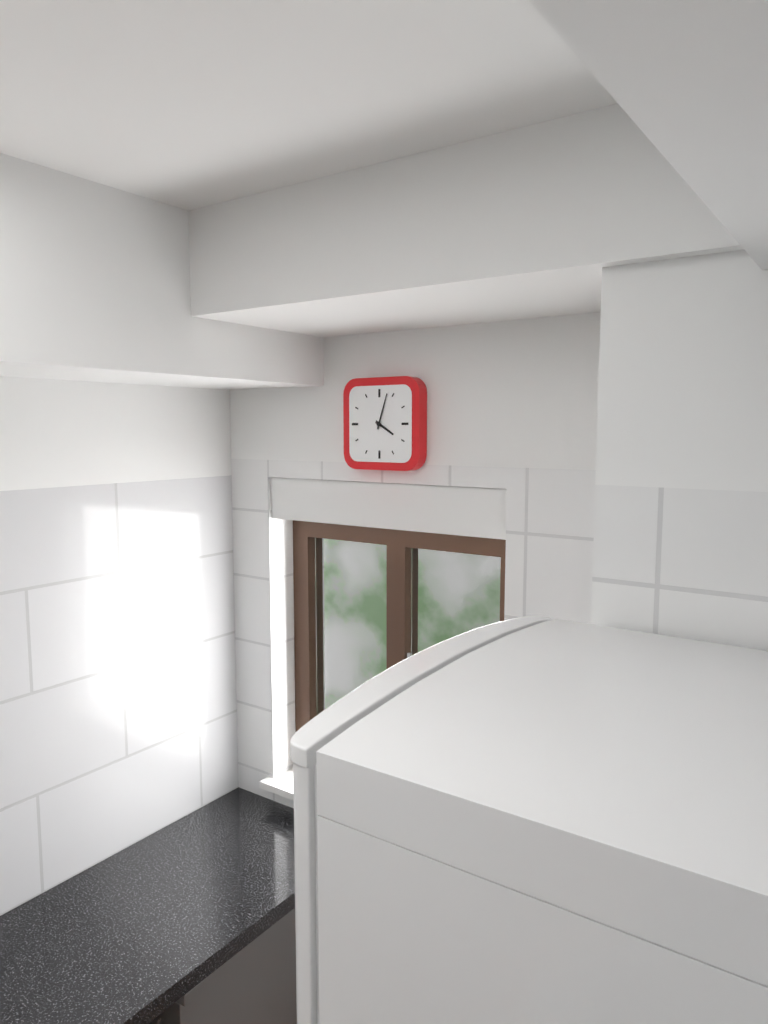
{"hour": 4, "minute": 3}
